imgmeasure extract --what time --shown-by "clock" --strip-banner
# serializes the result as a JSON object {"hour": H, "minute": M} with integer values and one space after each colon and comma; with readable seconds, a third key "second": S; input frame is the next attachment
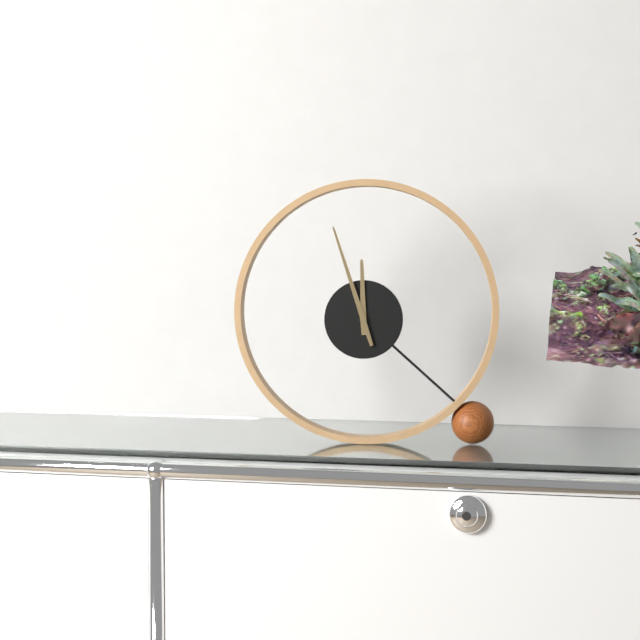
{"hour": 11, "minute": 57}
